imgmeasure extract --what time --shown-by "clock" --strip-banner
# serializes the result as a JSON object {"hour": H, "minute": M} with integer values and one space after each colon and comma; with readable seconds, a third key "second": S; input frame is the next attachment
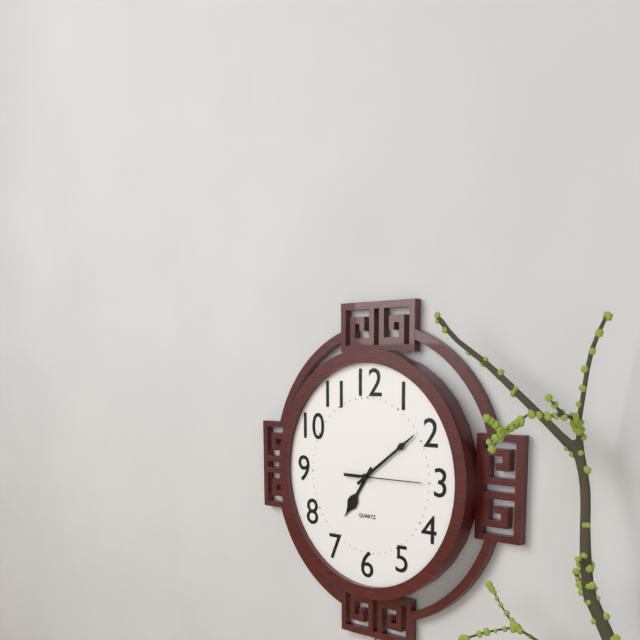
{"hour": 7, "minute": 9, "second": 15}
